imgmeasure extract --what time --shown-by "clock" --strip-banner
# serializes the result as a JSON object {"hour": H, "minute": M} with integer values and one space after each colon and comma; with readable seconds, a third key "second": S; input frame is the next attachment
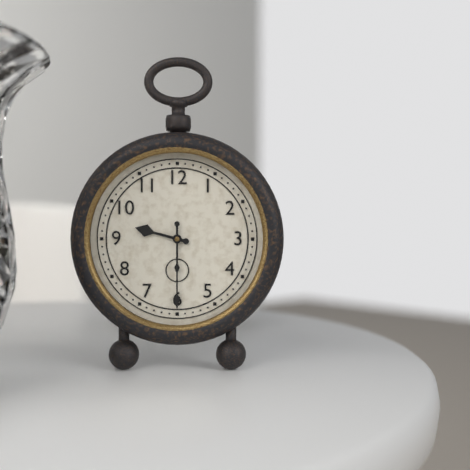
{"hour": 9, "minute": 30}
